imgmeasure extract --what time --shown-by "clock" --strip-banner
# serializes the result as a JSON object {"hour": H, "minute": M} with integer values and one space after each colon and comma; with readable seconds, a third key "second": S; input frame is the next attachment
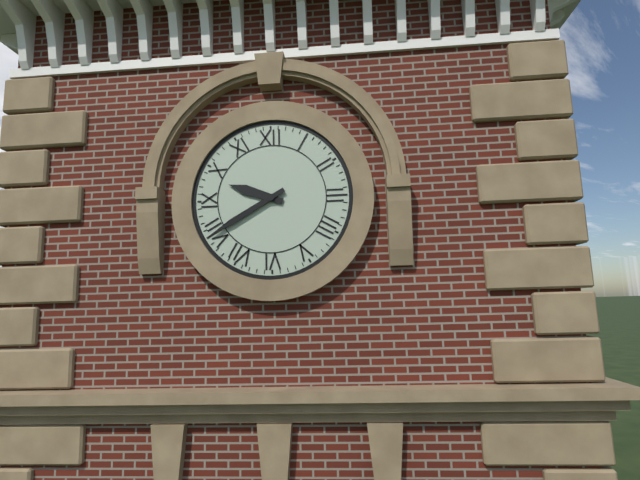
{"hour": 9, "minute": 40}
